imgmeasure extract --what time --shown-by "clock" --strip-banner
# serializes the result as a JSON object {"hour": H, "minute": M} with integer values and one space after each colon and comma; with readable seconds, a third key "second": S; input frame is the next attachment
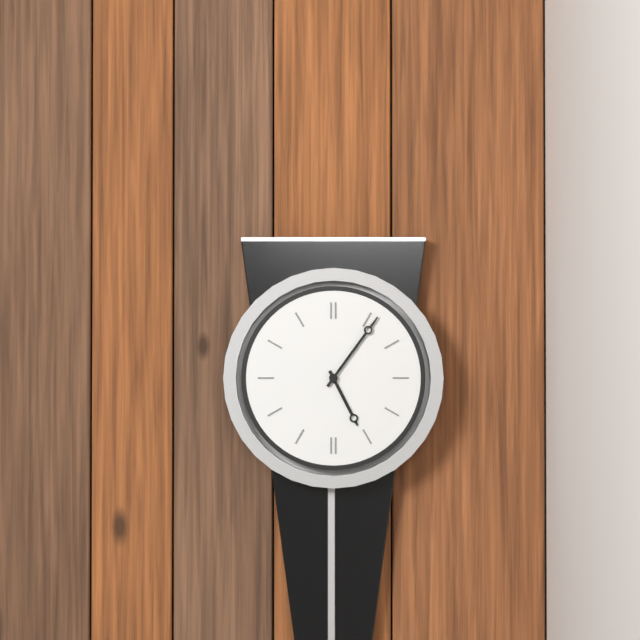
{"hour": 5, "minute": 6}
